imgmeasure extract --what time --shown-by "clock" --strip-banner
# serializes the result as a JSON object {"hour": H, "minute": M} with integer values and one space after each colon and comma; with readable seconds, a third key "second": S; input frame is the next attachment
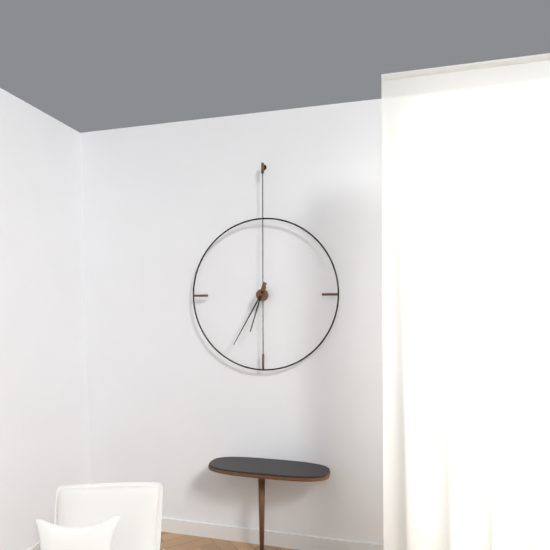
{"hour": 6, "minute": 35}
